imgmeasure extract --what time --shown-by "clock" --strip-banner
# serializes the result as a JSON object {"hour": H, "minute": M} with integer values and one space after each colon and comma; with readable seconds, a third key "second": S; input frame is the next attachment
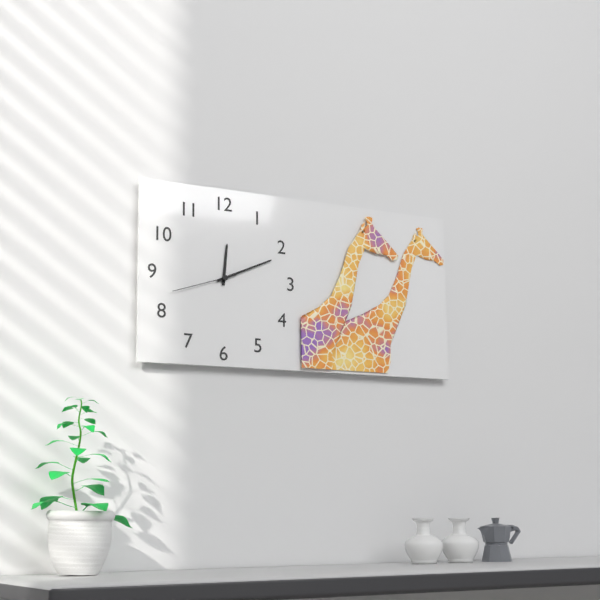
{"hour": 12, "minute": 11, "second": 42}
